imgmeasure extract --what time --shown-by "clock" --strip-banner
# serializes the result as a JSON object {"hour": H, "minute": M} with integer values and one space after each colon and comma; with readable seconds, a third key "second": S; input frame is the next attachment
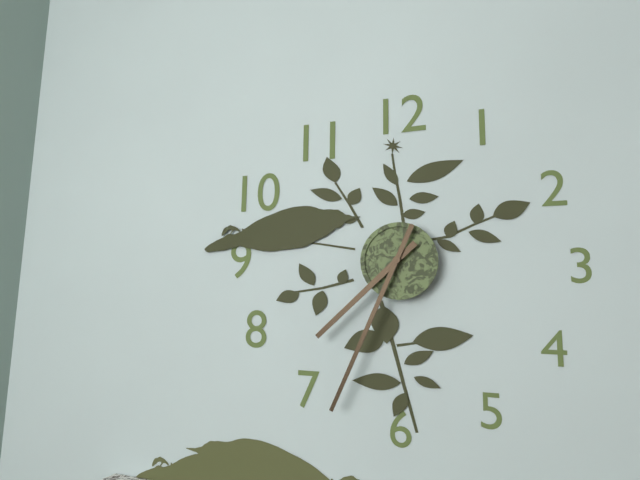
{"hour": 7, "minute": 34}
